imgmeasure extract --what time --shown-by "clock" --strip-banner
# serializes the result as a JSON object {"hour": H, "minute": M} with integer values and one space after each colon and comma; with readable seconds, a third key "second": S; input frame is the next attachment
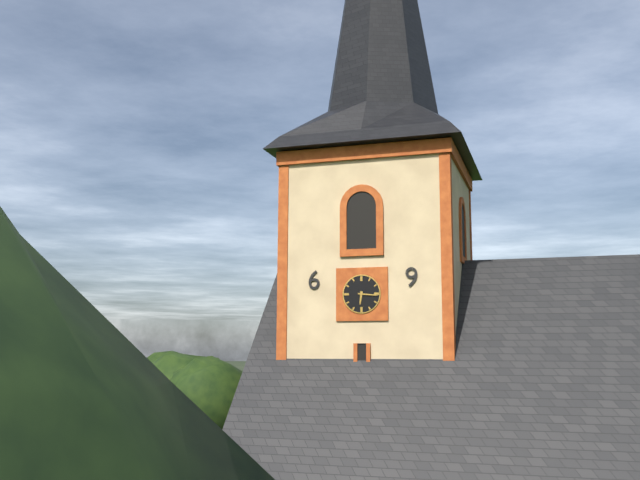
{"hour": 6, "minute": 16}
